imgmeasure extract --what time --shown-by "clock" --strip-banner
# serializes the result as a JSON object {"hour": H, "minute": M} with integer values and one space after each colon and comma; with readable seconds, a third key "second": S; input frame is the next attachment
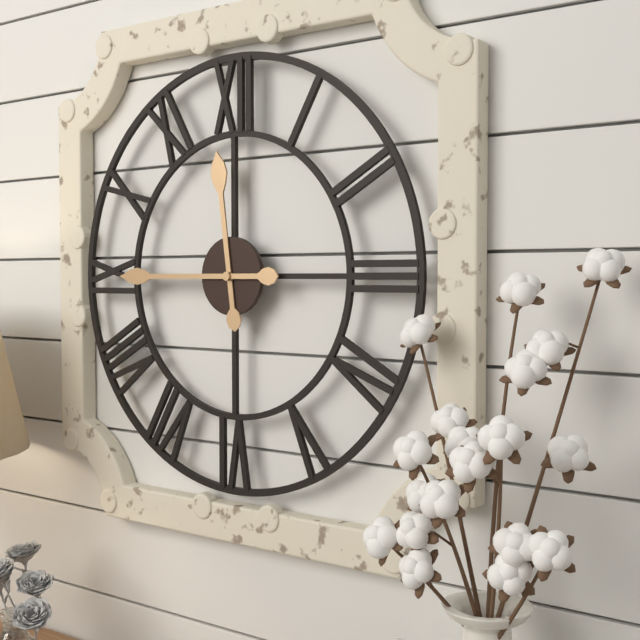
{"hour": 11, "minute": 45}
